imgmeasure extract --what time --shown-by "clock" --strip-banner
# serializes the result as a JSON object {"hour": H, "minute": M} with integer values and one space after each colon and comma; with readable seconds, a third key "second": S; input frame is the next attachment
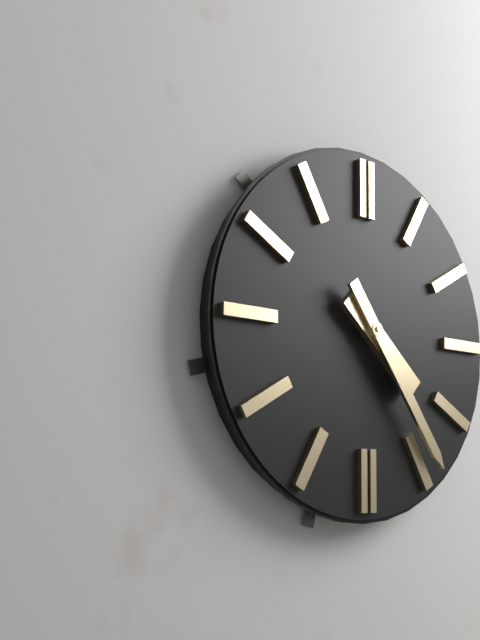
{"hour": 4, "minute": 24}
